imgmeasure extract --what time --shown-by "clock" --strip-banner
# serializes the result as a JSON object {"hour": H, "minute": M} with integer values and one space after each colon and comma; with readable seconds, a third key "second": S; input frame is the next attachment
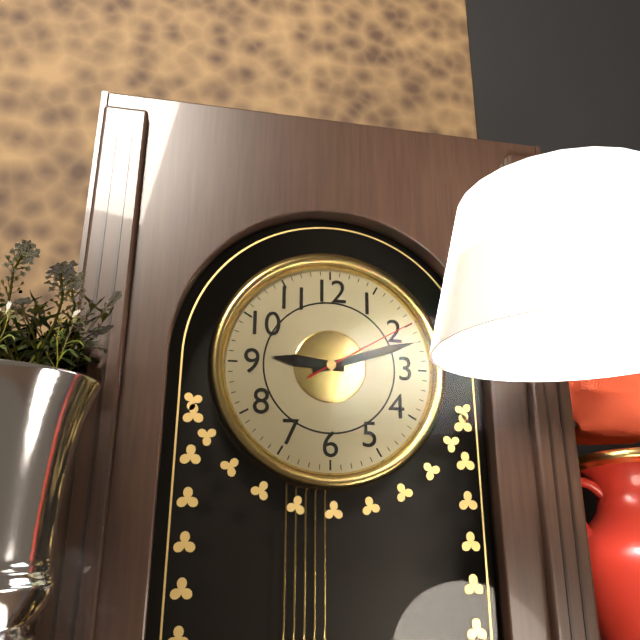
{"hour": 9, "minute": 12, "second": 10}
